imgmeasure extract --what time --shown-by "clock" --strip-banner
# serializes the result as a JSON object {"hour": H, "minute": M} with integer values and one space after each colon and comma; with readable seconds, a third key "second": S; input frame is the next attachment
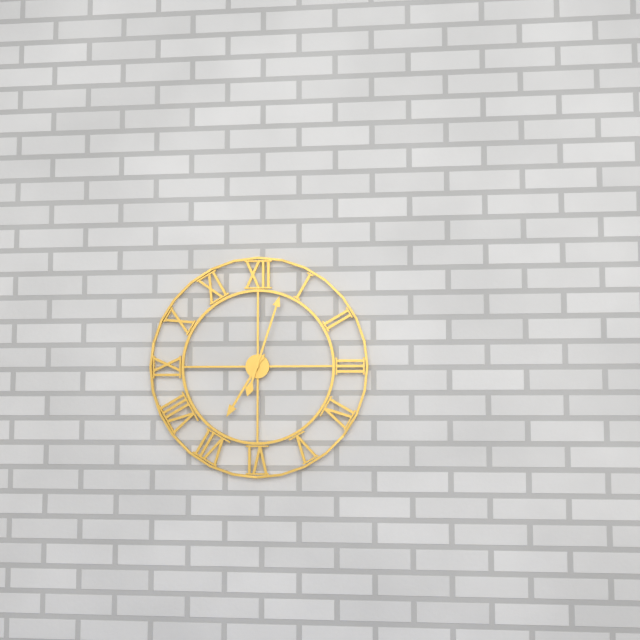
{"hour": 7, "minute": 3}
